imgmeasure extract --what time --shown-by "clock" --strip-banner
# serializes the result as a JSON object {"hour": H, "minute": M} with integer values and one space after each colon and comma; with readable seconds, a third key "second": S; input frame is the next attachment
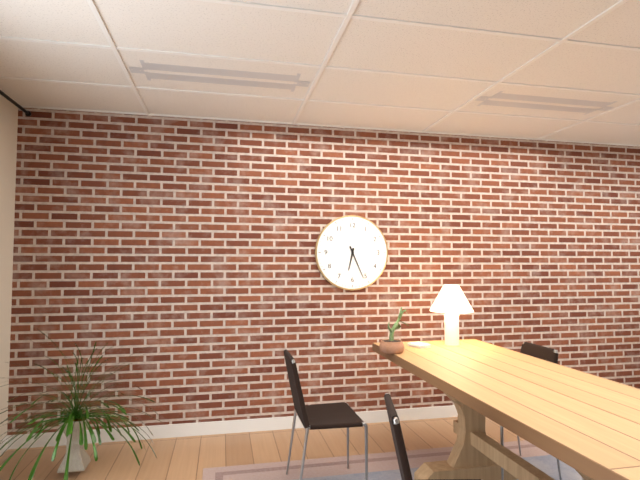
{"hour": 6, "minute": 26}
